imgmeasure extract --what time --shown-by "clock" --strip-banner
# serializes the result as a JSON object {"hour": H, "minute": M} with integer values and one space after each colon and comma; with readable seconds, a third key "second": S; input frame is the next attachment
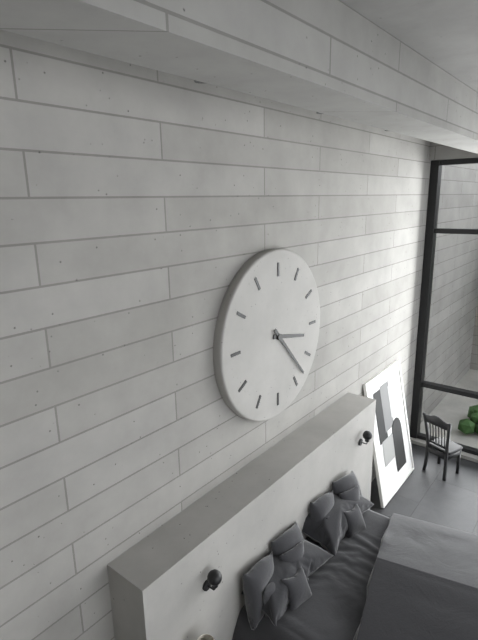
{"hour": 3, "minute": 23}
